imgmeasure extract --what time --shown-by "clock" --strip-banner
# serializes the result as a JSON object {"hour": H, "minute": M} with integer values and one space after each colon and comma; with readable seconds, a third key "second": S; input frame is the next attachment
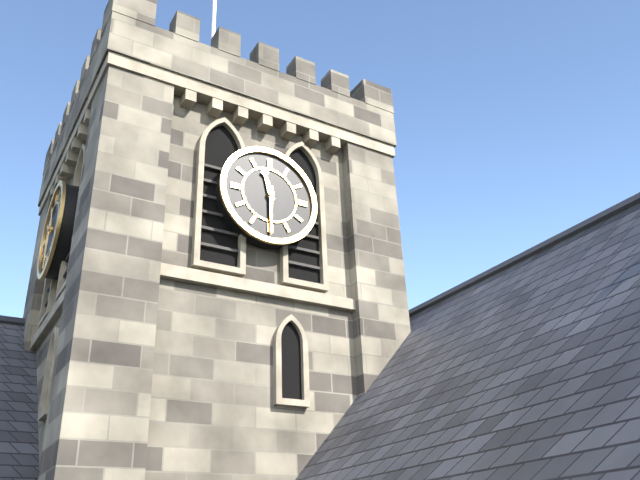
{"hour": 11, "minute": 30}
